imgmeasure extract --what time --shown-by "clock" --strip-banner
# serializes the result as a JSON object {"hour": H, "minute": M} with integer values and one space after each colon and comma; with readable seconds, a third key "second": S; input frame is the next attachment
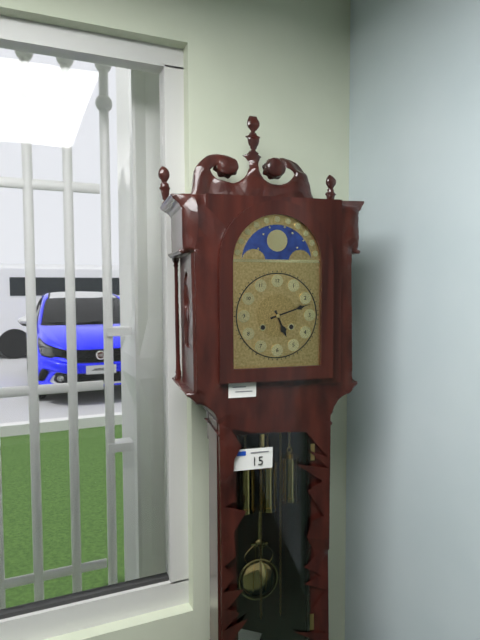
{"hour": 5, "minute": 12}
